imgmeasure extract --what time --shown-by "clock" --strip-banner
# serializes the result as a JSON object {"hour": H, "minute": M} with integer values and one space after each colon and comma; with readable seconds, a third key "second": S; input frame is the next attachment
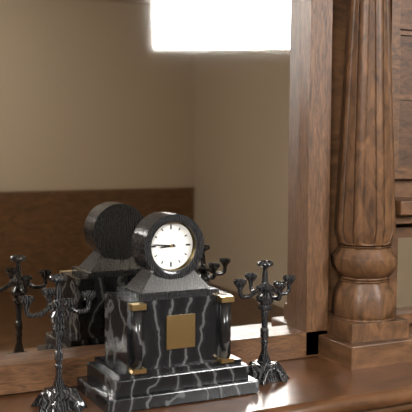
{"hour": 8, "minute": 46}
